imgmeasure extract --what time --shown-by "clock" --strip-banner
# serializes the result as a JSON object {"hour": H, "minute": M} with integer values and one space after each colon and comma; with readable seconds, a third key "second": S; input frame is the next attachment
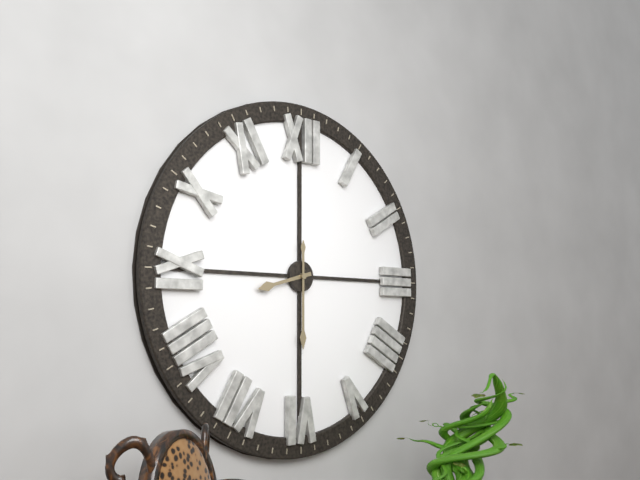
{"hour": 8, "minute": 30}
